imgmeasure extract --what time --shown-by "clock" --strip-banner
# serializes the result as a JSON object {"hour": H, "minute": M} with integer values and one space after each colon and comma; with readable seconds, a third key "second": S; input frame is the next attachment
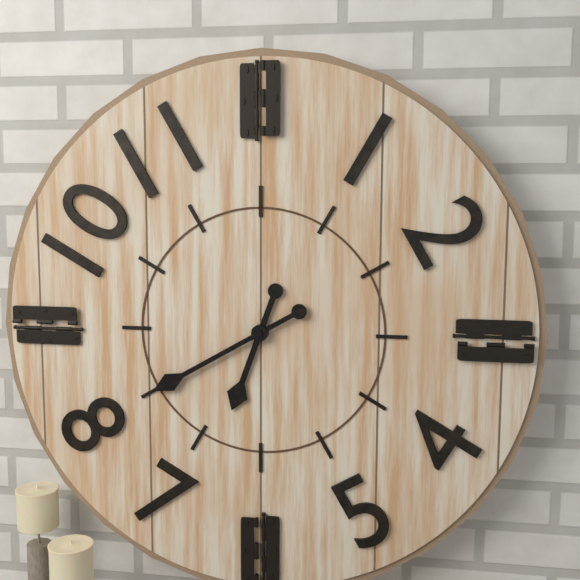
{"hour": 6, "minute": 40}
